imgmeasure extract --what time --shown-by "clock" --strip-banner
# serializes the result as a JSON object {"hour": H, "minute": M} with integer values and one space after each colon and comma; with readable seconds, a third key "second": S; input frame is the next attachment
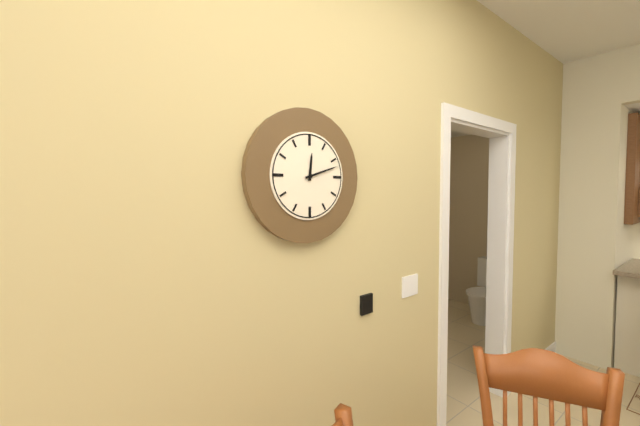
{"hour": 12, "minute": 12}
